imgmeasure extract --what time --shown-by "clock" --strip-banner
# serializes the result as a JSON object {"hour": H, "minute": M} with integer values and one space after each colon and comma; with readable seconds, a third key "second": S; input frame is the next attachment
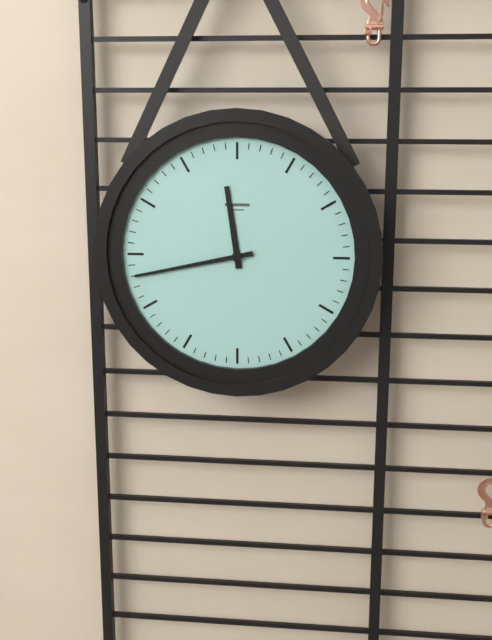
{"hour": 11, "minute": 43}
